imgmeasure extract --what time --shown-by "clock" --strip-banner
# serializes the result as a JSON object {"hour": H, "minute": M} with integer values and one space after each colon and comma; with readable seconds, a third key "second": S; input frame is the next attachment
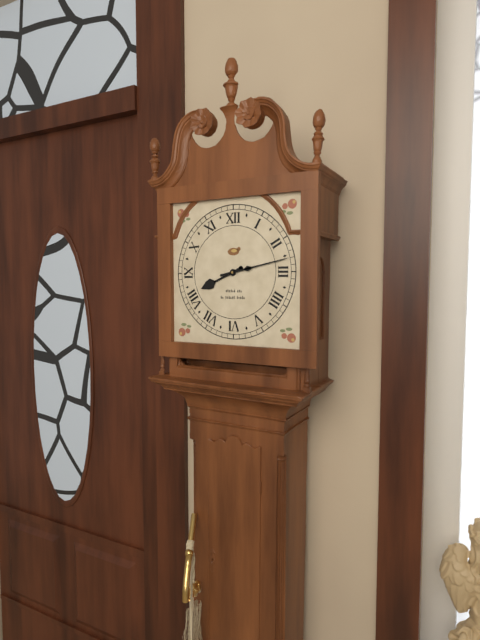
{"hour": 8, "minute": 13}
